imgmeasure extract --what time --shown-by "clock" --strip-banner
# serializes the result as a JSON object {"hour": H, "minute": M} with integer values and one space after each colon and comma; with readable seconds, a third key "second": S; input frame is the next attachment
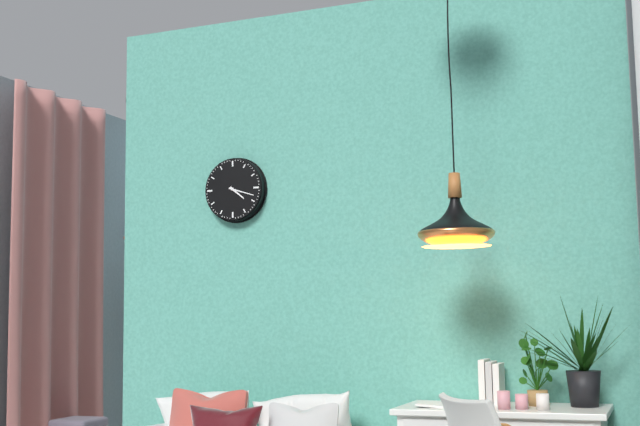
{"hour": 4, "minute": 18}
